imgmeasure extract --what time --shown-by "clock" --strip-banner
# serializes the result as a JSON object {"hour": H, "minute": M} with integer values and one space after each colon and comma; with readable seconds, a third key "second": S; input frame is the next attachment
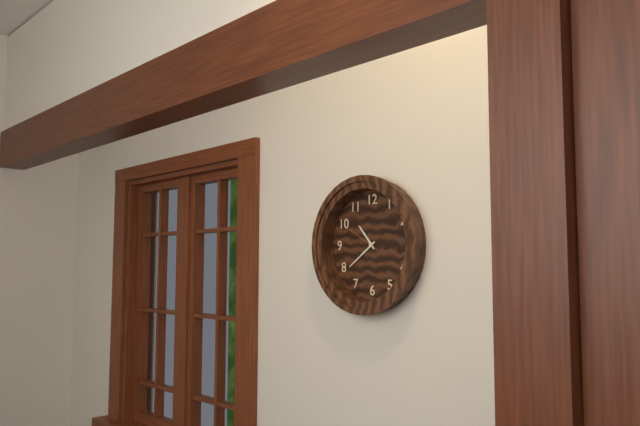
{"hour": 10, "minute": 39}
